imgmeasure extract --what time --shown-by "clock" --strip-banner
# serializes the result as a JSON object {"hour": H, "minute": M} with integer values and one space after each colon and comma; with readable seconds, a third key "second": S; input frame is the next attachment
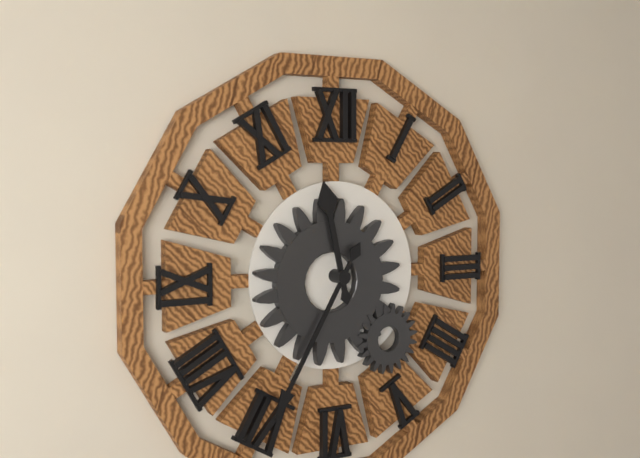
{"hour": 11, "minute": 35}
